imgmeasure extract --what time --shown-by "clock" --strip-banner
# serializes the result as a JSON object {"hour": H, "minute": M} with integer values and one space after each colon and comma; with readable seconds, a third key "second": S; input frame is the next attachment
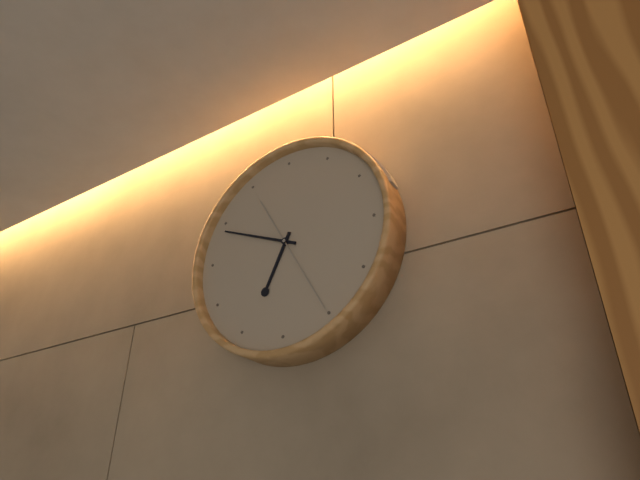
{"hour": 6, "minute": 49, "second": 25}
